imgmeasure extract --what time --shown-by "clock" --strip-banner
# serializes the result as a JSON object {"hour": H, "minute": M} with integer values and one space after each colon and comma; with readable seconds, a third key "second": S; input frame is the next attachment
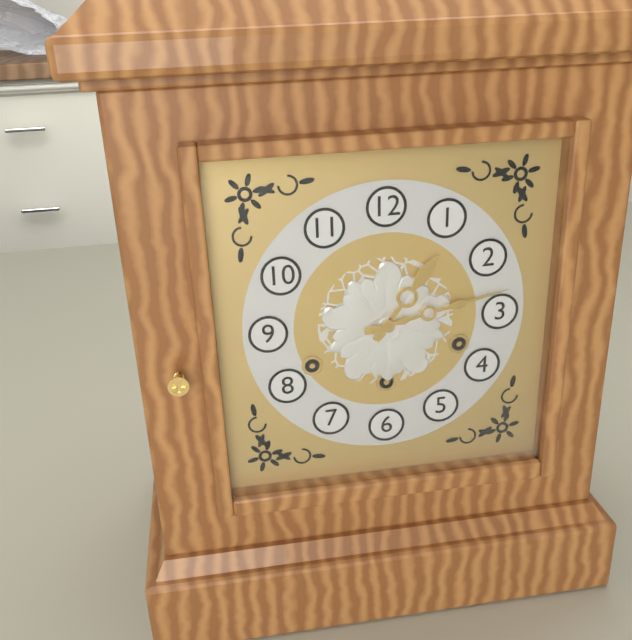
{"hour": 1, "minute": 13}
